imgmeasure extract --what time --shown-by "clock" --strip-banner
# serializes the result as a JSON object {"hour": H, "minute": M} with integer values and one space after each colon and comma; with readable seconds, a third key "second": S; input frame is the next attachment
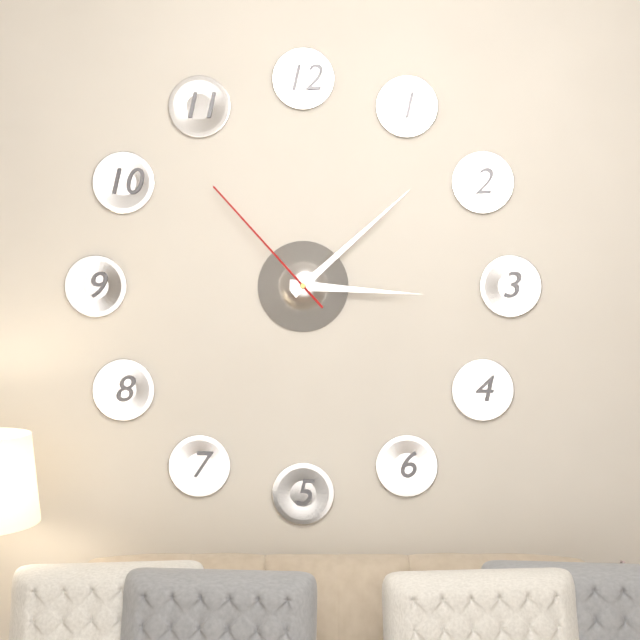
{"hour": 3, "minute": 8, "second": 53}
